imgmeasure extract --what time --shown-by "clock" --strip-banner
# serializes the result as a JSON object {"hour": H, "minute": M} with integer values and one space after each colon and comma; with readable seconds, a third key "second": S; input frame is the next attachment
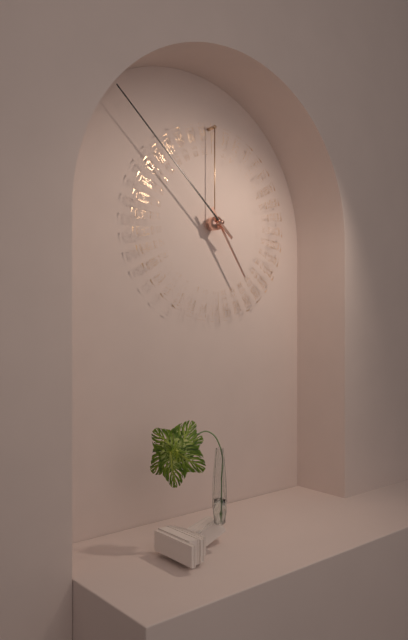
{"hour": 4, "minute": 52}
